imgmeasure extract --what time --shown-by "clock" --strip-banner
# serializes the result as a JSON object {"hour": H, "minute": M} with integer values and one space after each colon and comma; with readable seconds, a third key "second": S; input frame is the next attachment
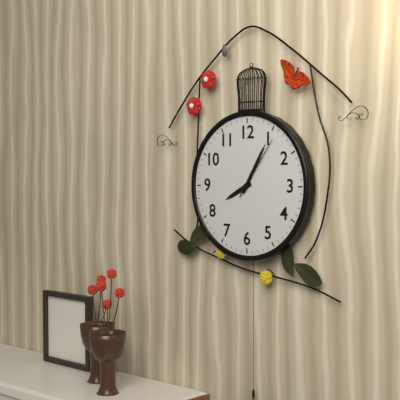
{"hour": 8, "minute": 5, "second": 6}
